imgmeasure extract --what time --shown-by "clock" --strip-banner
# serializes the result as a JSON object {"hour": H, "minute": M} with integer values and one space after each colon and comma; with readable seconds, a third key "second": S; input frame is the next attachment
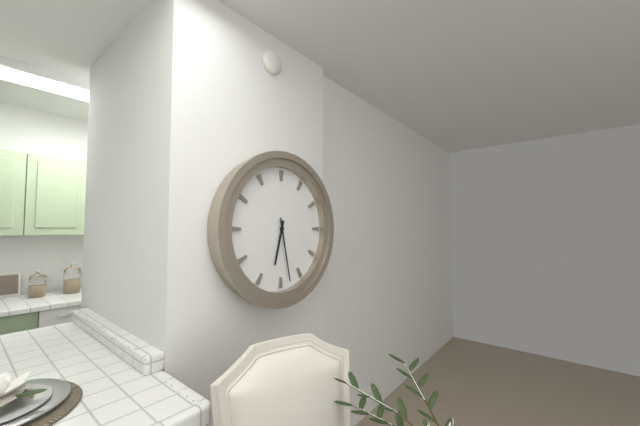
{"hour": 6, "minute": 28}
